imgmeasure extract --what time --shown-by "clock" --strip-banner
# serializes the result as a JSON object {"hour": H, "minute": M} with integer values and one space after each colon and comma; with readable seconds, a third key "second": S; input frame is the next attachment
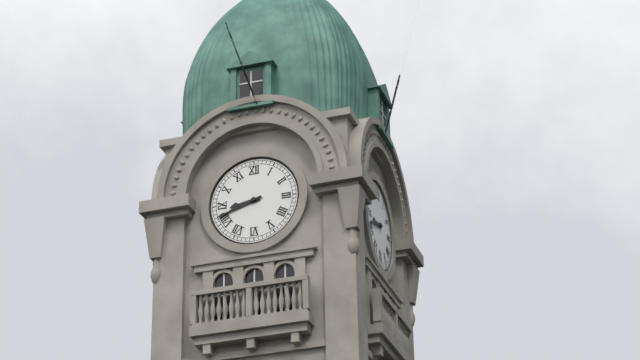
{"hour": 8, "minute": 42}
